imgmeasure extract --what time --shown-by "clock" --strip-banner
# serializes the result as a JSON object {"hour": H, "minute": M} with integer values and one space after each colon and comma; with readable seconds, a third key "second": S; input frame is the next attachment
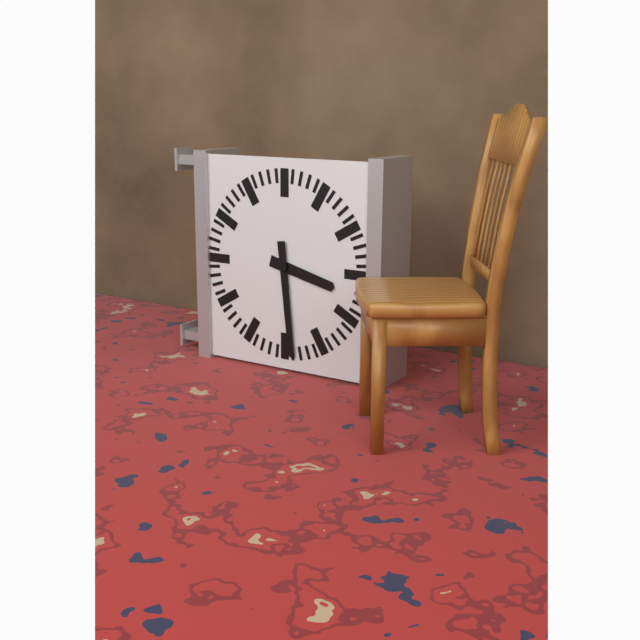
{"hour": 3, "minute": 29}
